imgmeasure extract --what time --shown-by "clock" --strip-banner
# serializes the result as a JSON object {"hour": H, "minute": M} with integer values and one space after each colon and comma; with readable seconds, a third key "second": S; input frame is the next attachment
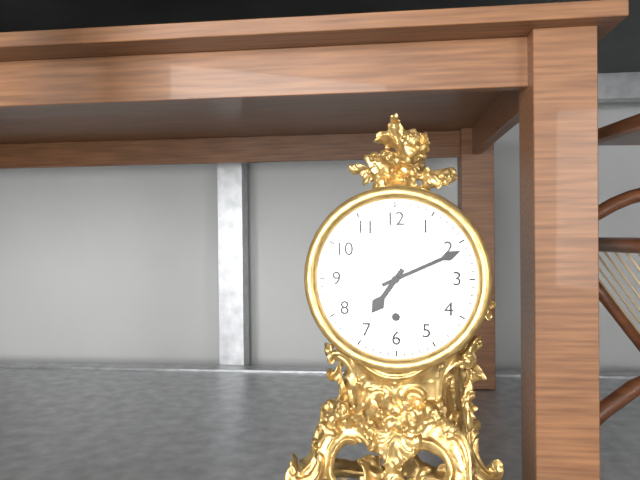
{"hour": 7, "minute": 11}
